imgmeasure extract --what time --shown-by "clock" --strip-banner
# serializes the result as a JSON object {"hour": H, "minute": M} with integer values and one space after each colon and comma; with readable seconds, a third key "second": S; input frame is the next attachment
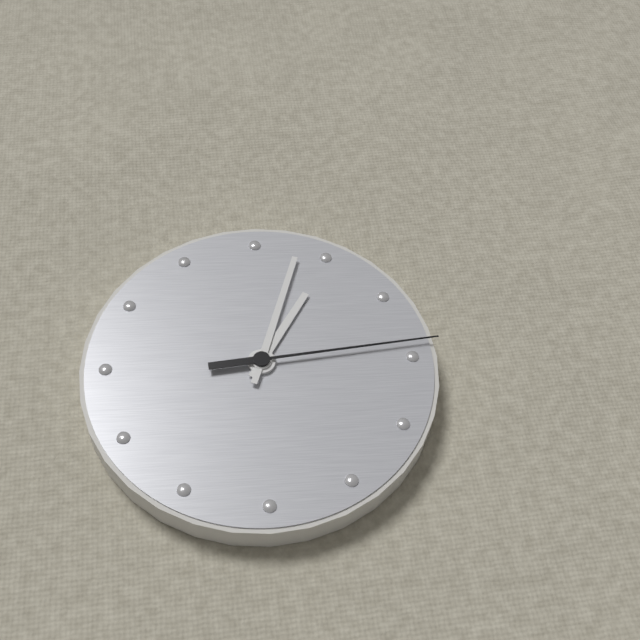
{"hour": 1, "minute": 3, "second": 14}
